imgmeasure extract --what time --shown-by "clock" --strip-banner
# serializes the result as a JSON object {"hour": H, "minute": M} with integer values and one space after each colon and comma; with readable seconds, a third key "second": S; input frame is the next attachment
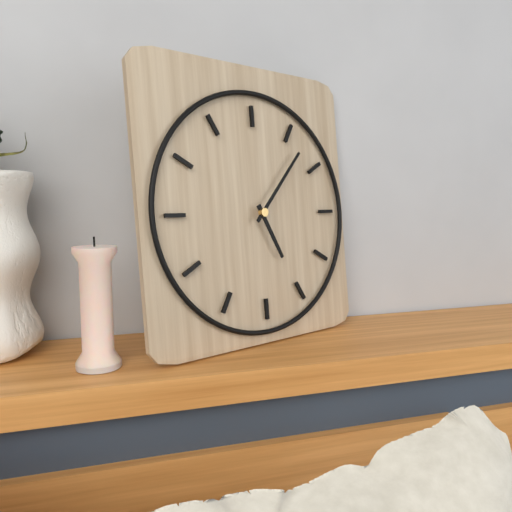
{"hour": 5, "minute": 7}
